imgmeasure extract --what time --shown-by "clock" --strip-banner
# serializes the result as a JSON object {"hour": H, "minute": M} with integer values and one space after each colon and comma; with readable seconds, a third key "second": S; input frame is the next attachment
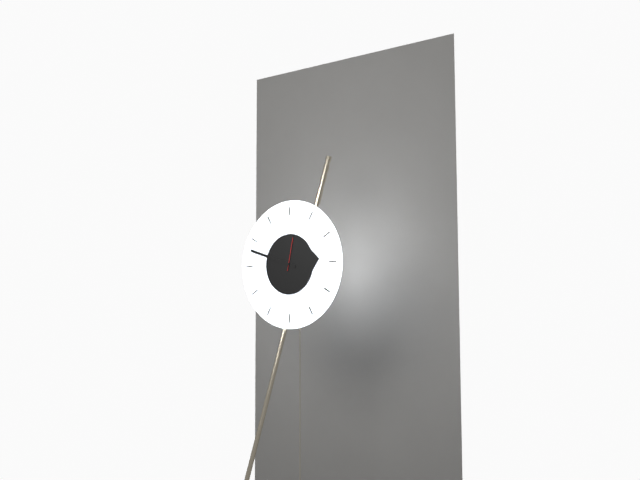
{"hour": 2, "minute": 48, "second": 2}
